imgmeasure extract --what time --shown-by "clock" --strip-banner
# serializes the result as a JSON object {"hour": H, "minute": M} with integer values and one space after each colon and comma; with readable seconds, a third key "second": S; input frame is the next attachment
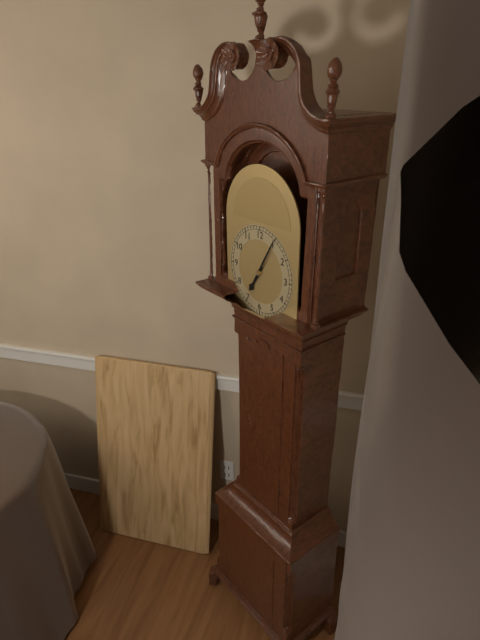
{"hour": 7, "minute": 5}
